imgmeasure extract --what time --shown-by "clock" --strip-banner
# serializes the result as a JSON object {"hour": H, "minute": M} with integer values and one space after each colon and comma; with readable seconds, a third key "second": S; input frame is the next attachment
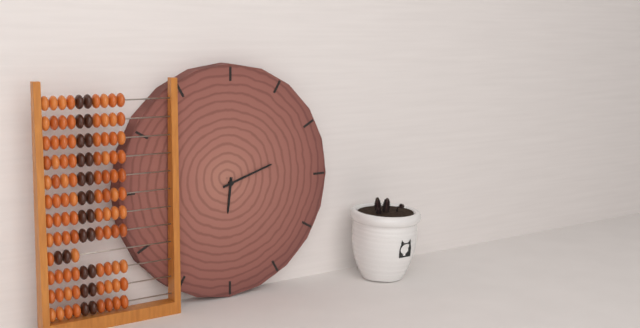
{"hour": 6, "minute": 12}
